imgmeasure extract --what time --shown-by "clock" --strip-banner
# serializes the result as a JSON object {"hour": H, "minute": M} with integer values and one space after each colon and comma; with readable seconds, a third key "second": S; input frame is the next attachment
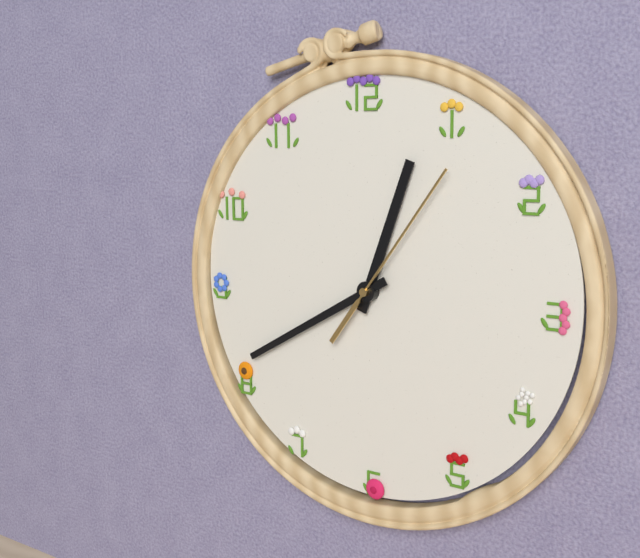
{"hour": 12, "minute": 40, "second": 6}
